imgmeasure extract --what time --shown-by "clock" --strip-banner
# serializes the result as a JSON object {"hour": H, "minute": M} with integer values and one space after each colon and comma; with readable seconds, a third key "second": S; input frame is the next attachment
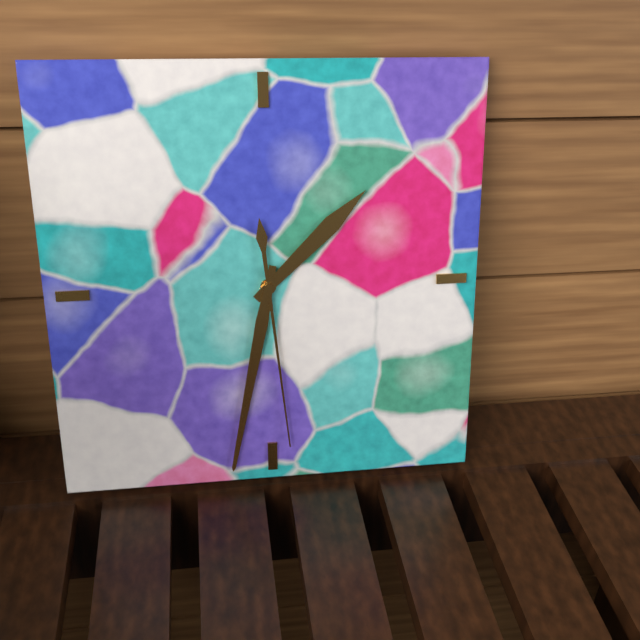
{"hour": 1, "minute": 32, "second": 29}
